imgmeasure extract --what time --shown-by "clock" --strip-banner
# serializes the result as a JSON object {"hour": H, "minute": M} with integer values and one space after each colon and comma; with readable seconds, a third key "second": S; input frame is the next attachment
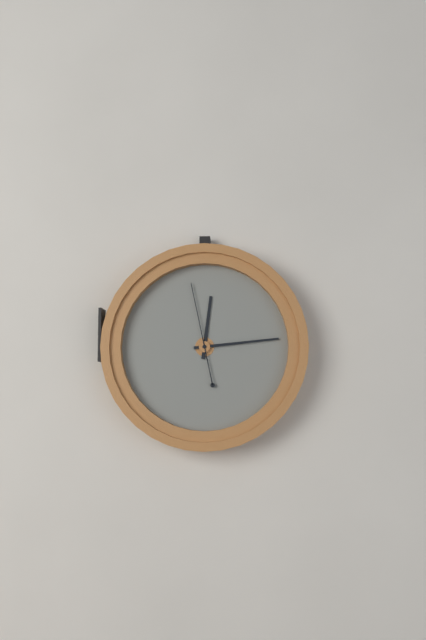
{"hour": 12, "minute": 14, "second": 58}
